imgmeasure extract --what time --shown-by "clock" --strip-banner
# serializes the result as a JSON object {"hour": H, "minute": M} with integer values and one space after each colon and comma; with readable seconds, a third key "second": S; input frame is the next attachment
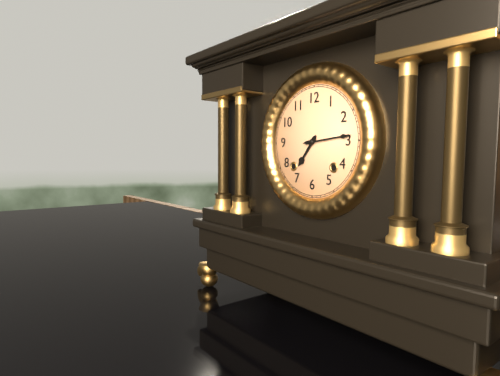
{"hour": 7, "minute": 14}
